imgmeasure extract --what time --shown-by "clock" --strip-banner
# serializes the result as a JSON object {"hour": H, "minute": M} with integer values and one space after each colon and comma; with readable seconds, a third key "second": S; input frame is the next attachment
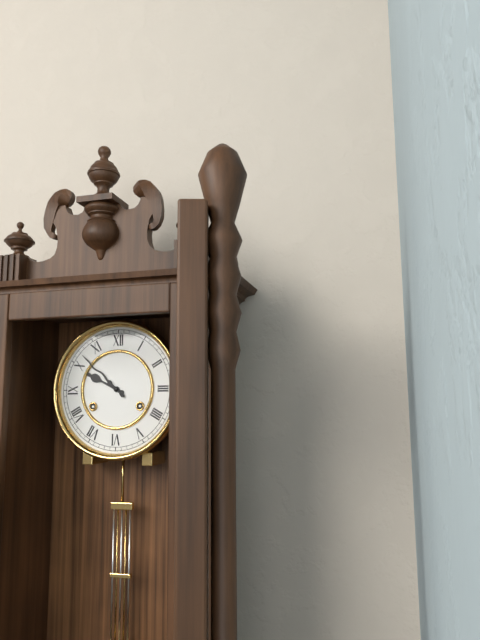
{"hour": 9, "minute": 52}
